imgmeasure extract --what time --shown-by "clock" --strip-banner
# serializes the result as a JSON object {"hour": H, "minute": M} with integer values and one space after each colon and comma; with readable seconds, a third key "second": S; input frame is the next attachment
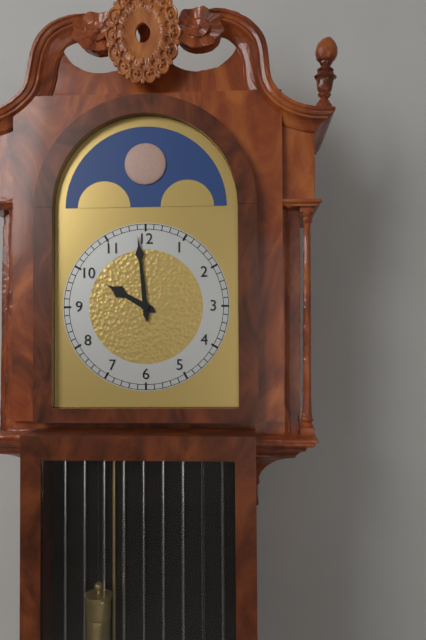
{"hour": 9, "minute": 59}
